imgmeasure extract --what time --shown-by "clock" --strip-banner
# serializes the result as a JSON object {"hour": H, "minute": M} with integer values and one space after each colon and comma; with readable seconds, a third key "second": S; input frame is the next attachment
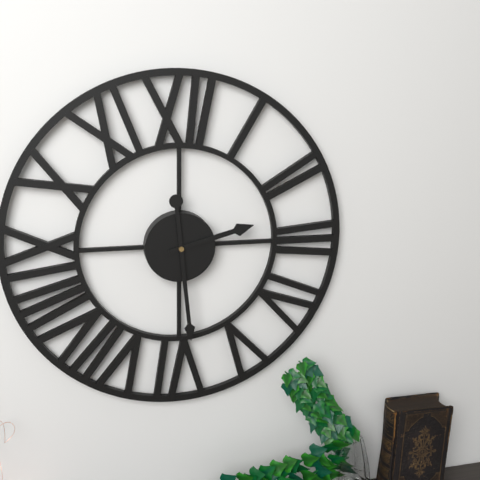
{"hour": 2, "minute": 29}
